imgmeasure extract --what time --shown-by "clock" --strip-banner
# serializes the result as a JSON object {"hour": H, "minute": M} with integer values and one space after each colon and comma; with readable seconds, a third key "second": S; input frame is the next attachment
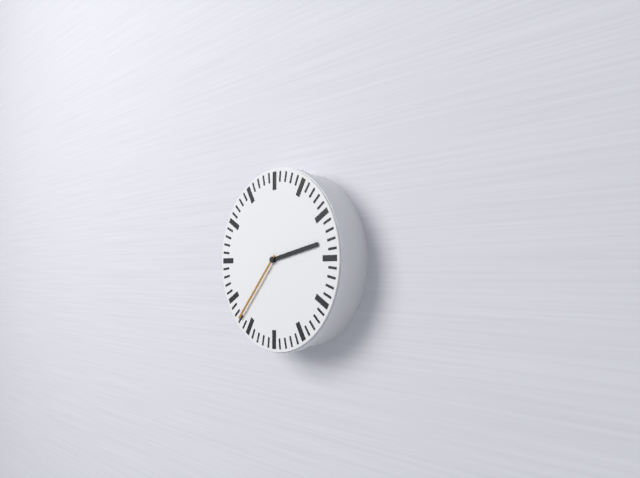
{"hour": 2, "minute": 37}
